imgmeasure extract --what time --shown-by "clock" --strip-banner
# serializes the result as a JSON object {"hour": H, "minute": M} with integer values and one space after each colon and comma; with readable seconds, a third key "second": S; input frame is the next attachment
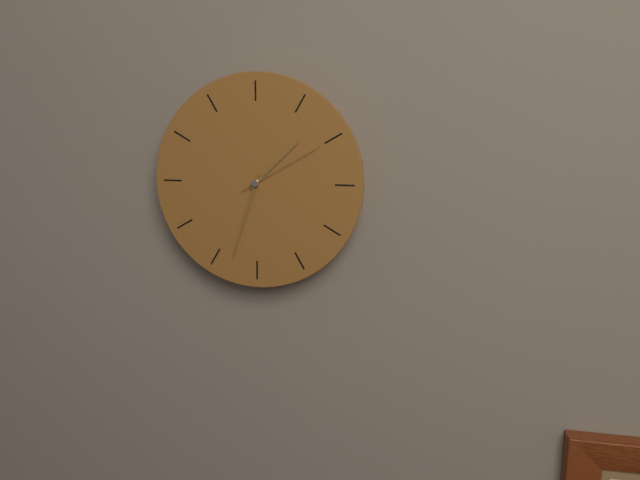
{"hour": 1, "minute": 33, "second": 10}
